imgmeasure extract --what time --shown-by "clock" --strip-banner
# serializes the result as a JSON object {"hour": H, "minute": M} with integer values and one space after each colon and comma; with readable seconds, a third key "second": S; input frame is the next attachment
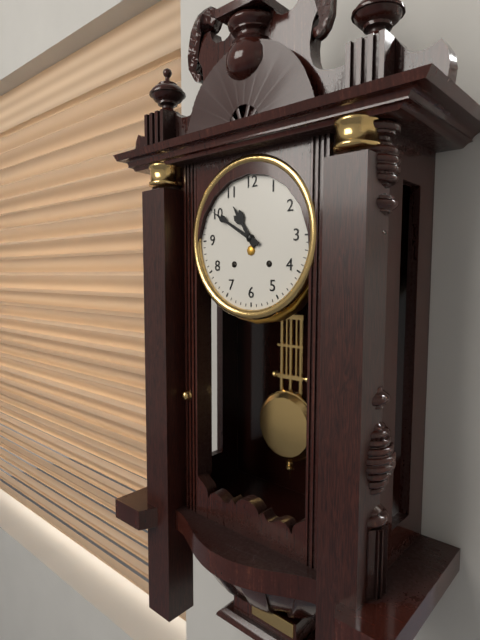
{"hour": 10, "minute": 50}
